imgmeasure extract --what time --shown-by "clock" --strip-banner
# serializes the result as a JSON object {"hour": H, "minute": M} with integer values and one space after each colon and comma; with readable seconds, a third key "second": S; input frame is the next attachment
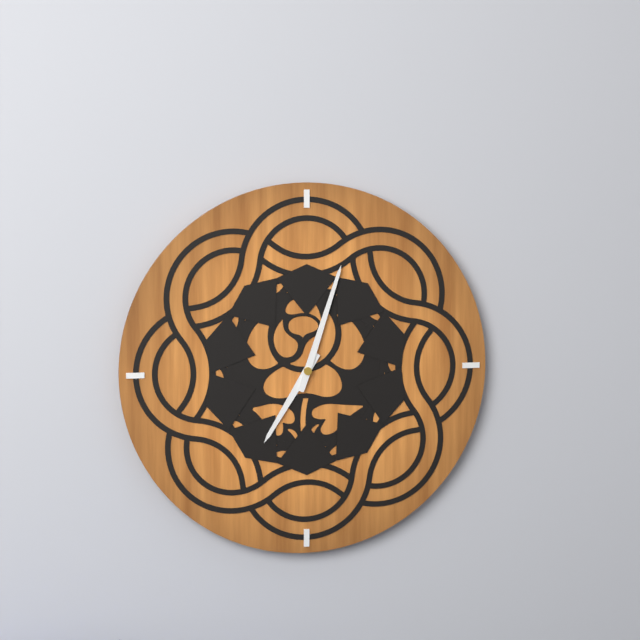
{"hour": 7, "minute": 3}
